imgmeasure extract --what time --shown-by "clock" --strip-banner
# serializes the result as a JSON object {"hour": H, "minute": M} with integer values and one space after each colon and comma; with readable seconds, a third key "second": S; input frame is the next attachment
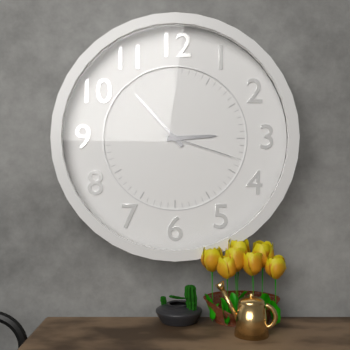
{"hour": 2, "minute": 53, "second": 18}
